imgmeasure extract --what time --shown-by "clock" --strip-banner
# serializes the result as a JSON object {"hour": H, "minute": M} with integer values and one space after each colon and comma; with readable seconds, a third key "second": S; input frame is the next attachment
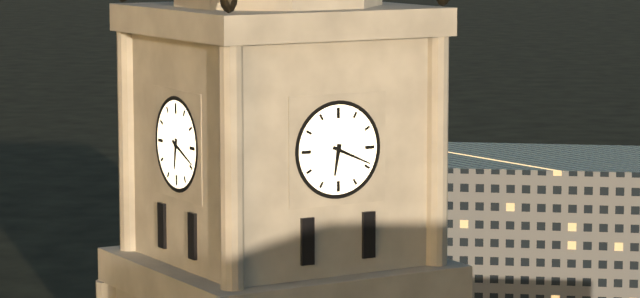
{"hour": 6, "minute": 19}
